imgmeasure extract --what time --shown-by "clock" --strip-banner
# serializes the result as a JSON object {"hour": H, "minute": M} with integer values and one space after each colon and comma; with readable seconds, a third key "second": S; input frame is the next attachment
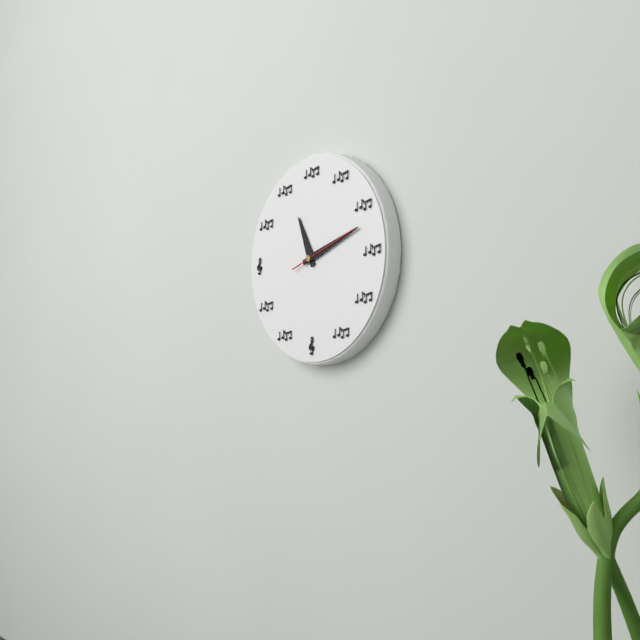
{"hour": 11, "minute": 12, "second": 12}
